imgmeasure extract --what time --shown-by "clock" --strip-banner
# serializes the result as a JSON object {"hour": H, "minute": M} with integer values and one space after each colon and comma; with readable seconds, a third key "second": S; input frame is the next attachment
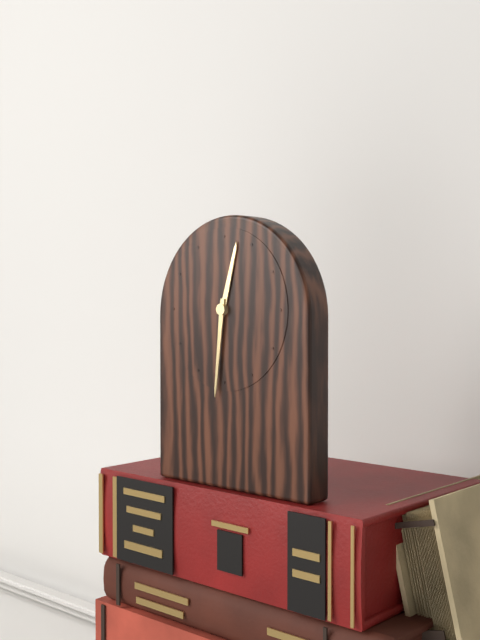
{"hour": 12, "minute": 31}
